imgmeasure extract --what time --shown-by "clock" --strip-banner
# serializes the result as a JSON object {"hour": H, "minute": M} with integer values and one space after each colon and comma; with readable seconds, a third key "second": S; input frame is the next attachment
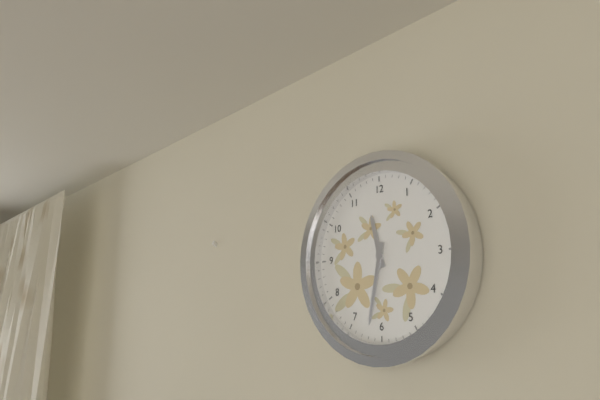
{"hour": 11, "minute": 32}
